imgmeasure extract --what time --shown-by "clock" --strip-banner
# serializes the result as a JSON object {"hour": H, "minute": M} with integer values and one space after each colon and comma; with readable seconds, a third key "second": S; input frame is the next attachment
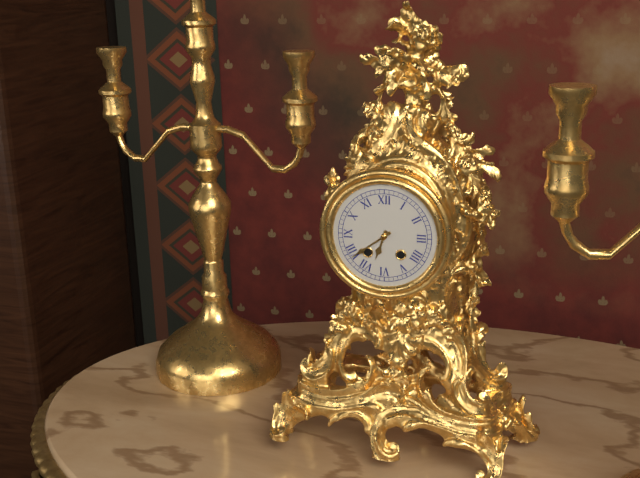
{"hour": 6, "minute": 39}
